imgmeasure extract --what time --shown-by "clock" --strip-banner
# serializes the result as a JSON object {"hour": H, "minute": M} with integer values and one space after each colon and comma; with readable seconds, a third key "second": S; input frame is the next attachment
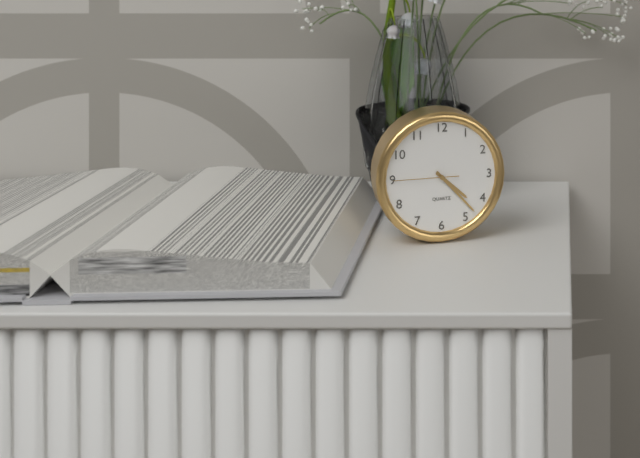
{"hour": 4, "minute": 23, "second": 45}
